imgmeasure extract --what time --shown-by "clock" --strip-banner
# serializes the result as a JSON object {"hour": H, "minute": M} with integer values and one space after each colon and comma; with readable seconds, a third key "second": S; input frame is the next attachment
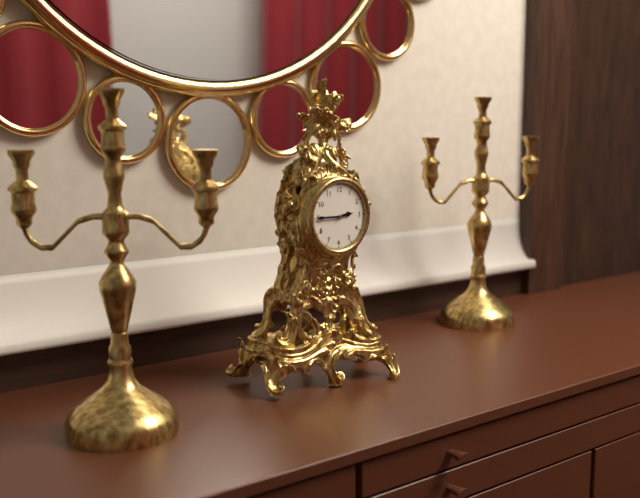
{"hour": 2, "minute": 45}
